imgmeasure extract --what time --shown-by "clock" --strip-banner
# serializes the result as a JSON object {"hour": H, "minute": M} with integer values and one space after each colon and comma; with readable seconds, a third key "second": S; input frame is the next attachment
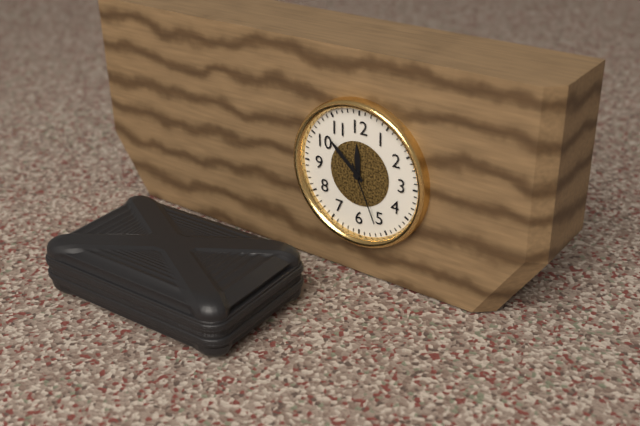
{"hour": 11, "minute": 52, "second": 26}
